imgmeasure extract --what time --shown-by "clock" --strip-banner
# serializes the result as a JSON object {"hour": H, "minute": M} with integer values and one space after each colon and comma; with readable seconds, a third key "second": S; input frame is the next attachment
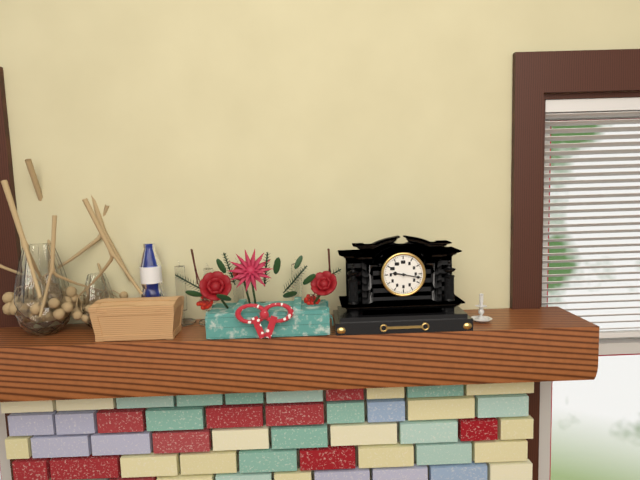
{"hour": 9, "minute": 17}
